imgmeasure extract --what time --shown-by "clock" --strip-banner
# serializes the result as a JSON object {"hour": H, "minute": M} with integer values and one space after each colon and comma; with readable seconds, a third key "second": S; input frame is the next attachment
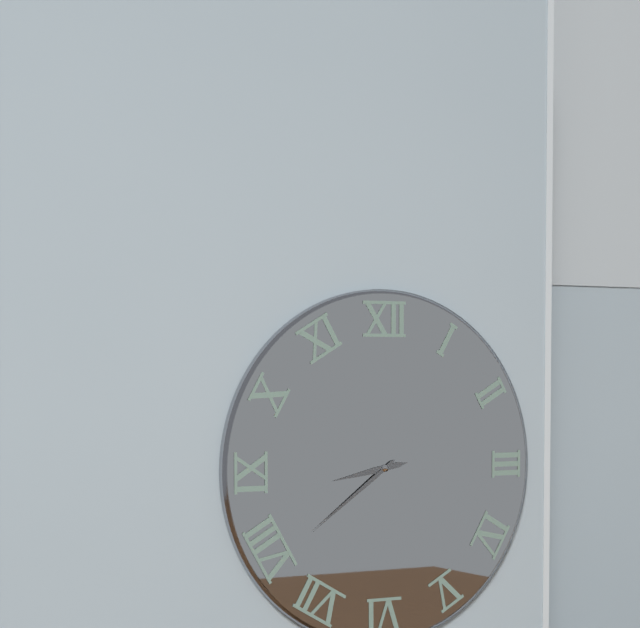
{"hour": 8, "minute": 39}
